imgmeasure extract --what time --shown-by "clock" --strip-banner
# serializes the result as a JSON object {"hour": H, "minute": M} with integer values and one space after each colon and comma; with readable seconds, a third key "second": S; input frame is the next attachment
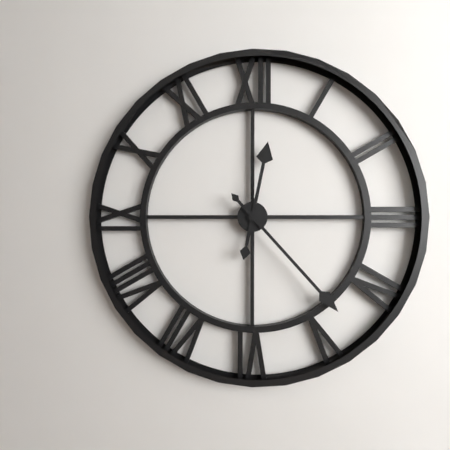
{"hour": 12, "minute": 23}
